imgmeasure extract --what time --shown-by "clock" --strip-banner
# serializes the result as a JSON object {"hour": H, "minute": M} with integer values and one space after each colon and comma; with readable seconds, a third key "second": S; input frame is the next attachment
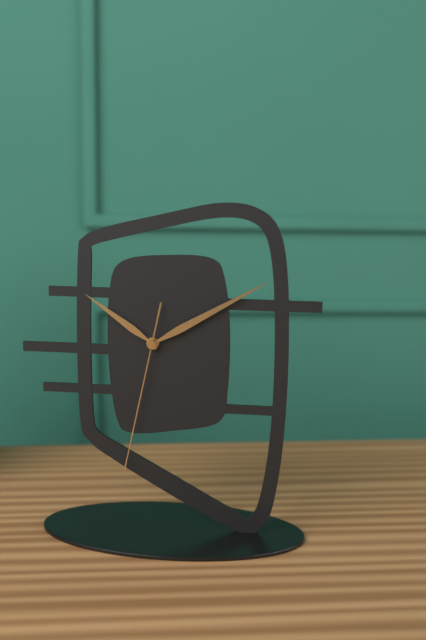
{"hour": 10, "minute": 10, "second": 32}
